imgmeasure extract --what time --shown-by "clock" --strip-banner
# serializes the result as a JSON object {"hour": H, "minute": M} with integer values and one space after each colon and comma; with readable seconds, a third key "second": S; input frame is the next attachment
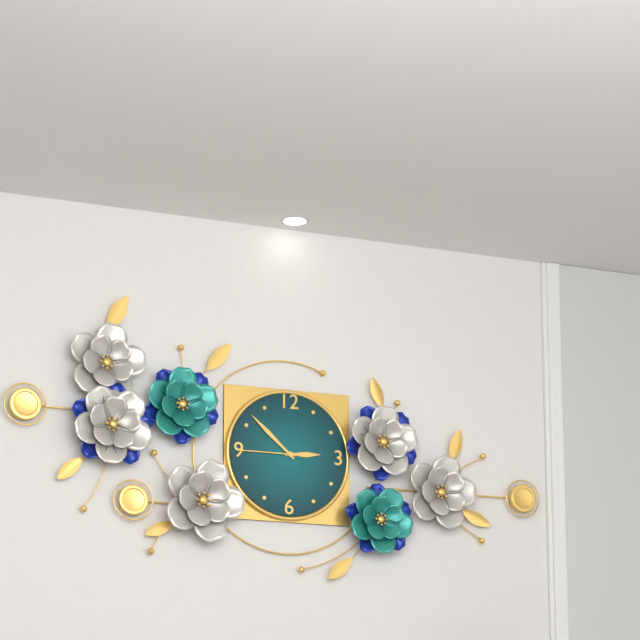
{"hour": 2, "minute": 52, "second": 45}
